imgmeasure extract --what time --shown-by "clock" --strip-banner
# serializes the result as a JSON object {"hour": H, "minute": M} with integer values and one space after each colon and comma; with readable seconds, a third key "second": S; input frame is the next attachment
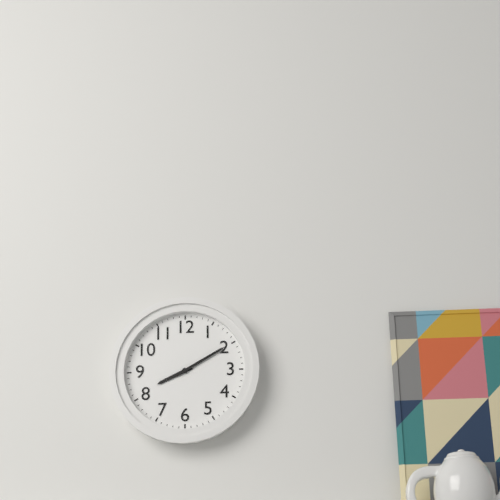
{"hour": 8, "minute": 10}
